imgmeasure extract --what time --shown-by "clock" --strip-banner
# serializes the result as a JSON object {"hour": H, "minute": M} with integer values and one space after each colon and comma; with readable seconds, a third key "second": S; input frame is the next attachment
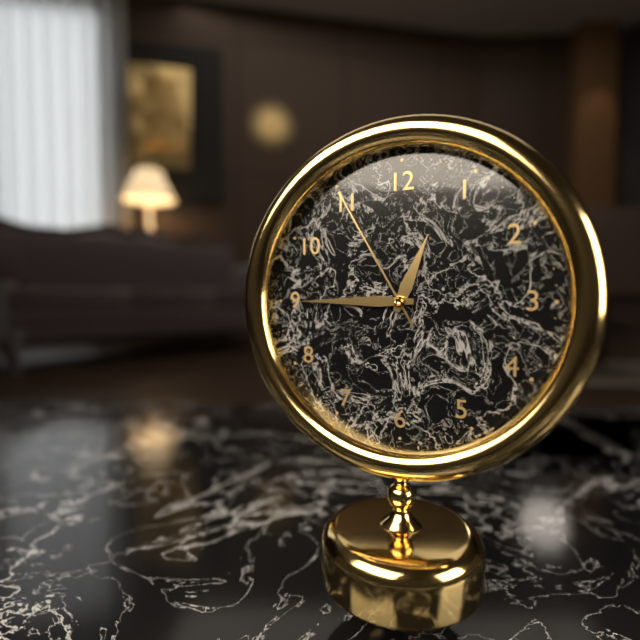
{"hour": 12, "minute": 45, "second": 55}
